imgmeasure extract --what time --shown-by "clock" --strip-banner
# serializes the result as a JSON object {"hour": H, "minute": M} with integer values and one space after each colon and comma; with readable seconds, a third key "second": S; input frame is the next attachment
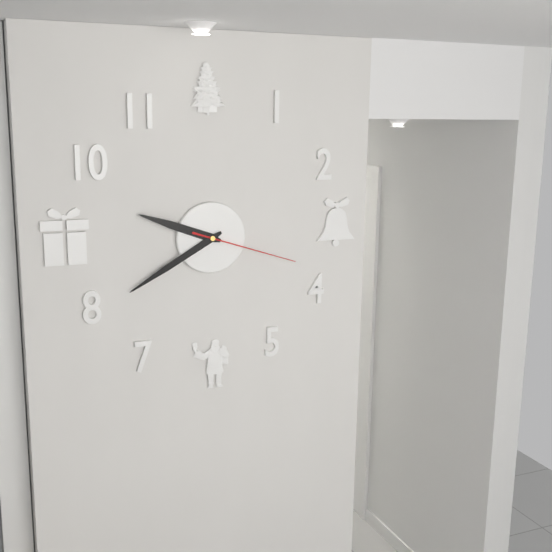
{"hour": 9, "minute": 40, "second": 18}
